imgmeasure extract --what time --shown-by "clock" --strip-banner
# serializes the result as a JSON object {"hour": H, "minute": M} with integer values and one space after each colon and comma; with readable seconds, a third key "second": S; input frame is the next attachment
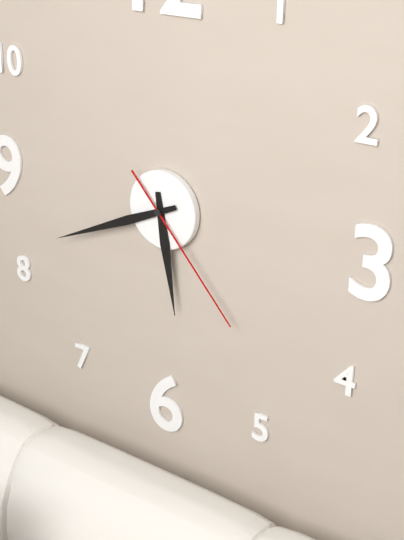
{"hour": 5, "minute": 41, "second": 23}
